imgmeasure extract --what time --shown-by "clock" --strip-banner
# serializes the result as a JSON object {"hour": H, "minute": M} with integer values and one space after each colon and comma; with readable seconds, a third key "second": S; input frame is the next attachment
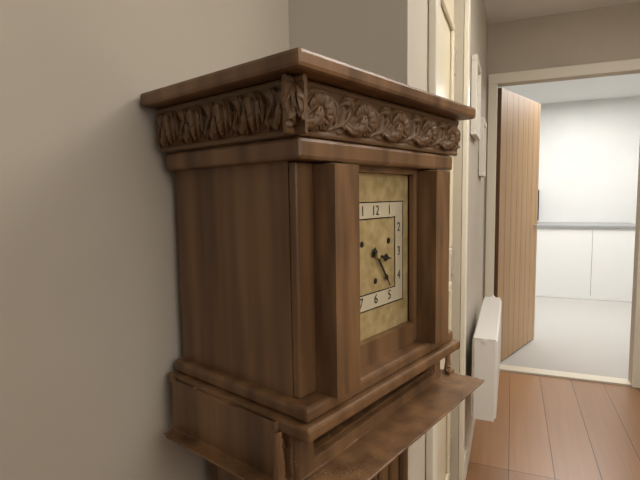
{"hour": 3, "minute": 24}
